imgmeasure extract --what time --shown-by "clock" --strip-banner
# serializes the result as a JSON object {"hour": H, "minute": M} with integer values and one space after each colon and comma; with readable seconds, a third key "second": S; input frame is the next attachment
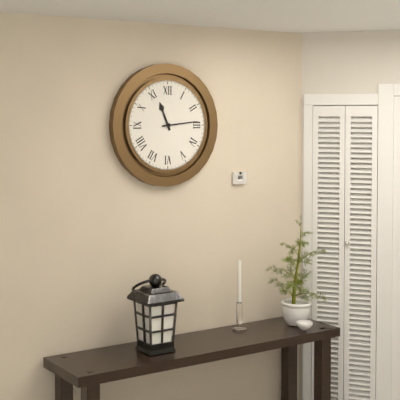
{"hour": 11, "minute": 14}
